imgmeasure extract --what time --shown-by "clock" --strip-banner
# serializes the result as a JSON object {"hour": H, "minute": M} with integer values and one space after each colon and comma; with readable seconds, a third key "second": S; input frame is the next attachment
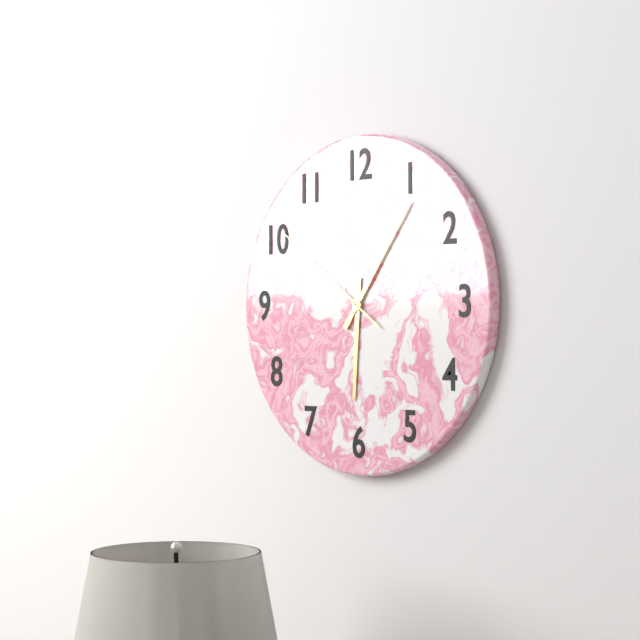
{"hour": 6, "minute": 6, "second": 51}
